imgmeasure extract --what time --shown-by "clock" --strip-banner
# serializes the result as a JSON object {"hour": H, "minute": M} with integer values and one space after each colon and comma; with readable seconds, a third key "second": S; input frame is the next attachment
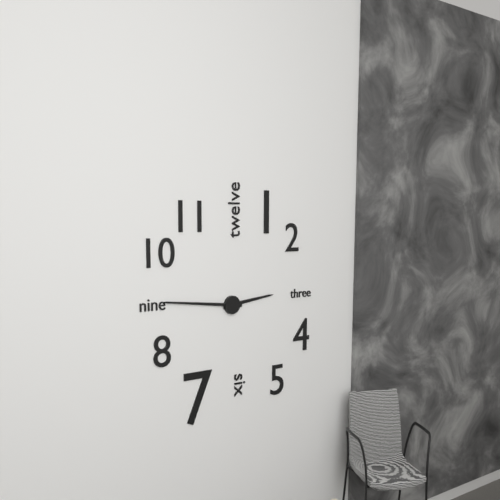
{"hour": 2, "minute": 46}
